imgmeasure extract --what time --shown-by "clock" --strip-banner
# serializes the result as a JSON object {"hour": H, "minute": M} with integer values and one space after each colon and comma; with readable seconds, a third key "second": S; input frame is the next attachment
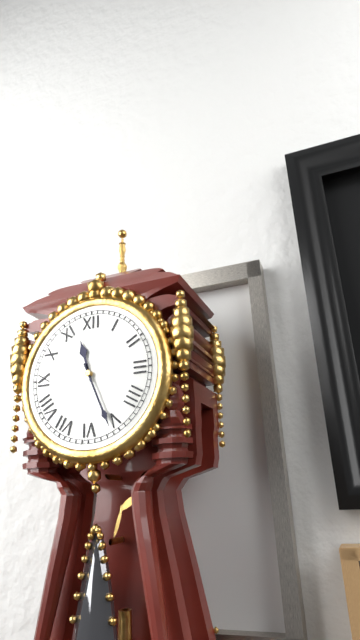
{"hour": 11, "minute": 26}
